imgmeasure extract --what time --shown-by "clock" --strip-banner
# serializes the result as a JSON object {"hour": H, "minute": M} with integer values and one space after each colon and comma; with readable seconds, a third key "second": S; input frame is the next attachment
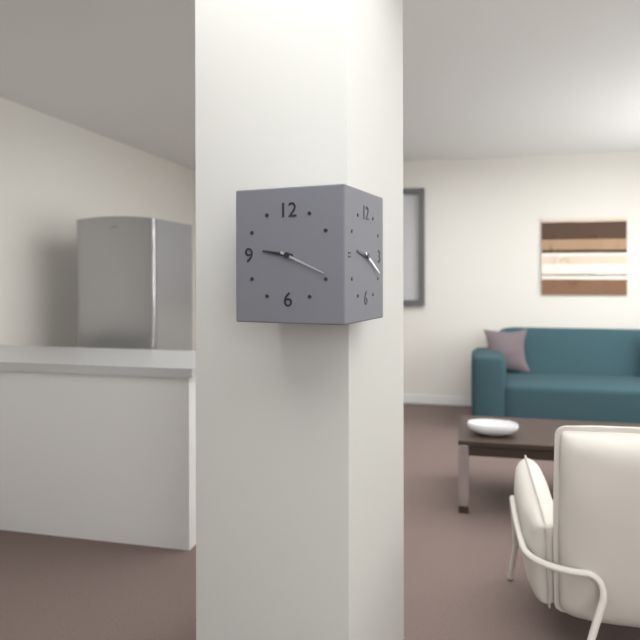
{"hour": 9, "minute": 19}
